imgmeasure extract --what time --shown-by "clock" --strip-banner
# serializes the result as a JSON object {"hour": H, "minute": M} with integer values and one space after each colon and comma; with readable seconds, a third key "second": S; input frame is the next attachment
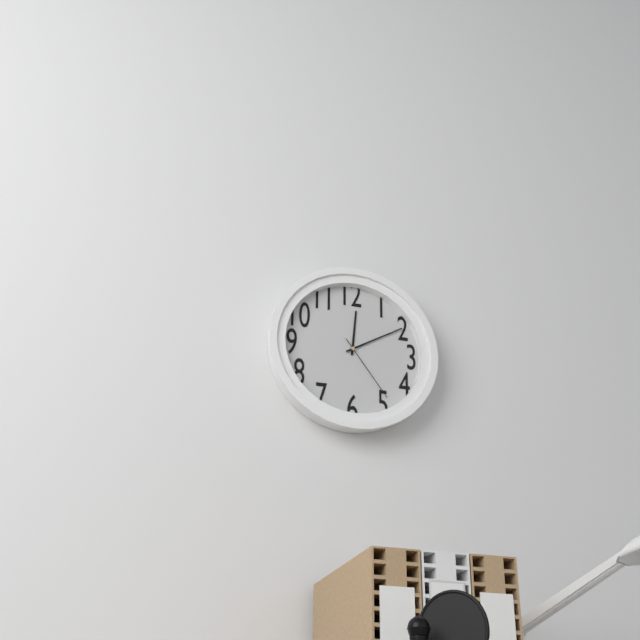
{"hour": 12, "minute": 10, "second": 24}
